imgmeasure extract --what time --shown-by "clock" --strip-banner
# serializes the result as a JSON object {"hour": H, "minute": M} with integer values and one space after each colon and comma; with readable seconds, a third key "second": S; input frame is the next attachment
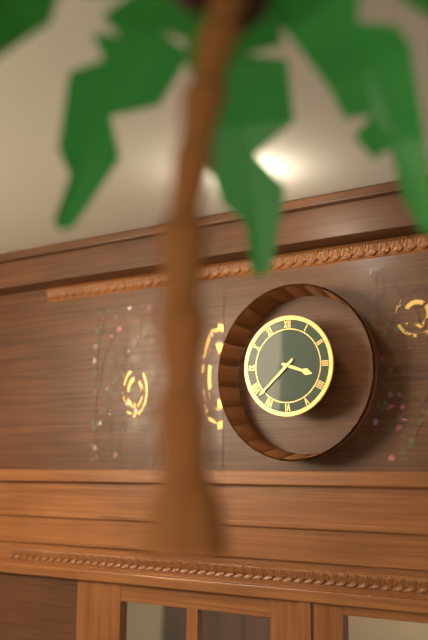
{"hour": 3, "minute": 38}
